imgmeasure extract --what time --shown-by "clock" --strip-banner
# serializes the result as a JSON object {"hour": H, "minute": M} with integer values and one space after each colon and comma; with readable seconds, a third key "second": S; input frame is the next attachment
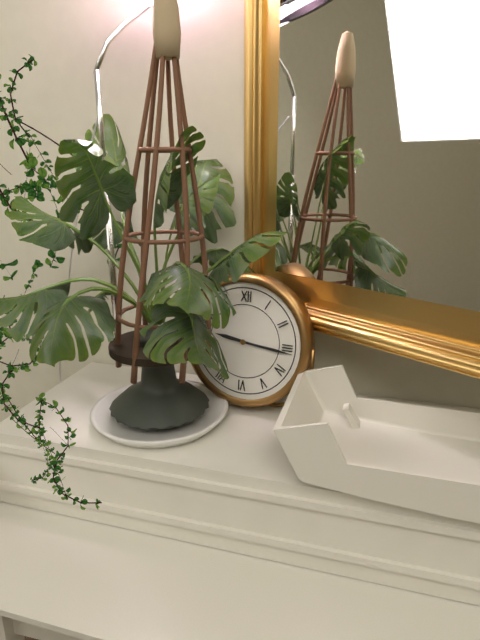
{"hour": 9, "minute": 16}
